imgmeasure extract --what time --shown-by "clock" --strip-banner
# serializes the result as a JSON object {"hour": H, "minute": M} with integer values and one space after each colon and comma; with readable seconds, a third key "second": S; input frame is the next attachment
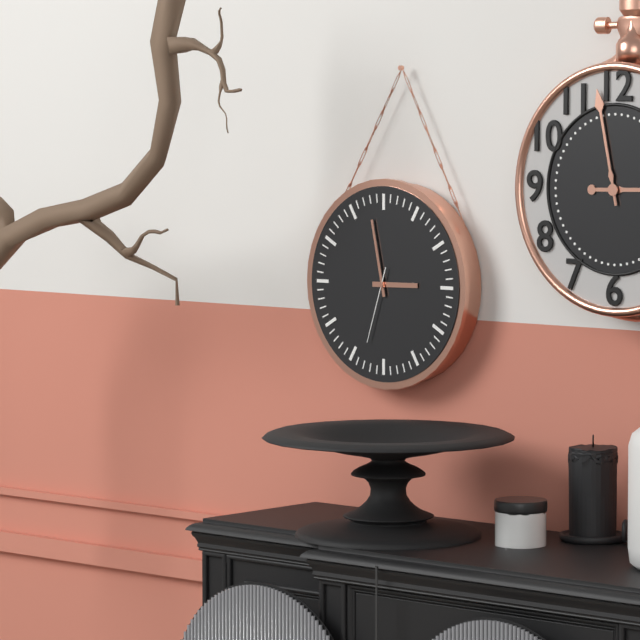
{"hour": 2, "minute": 58, "second": 33}
